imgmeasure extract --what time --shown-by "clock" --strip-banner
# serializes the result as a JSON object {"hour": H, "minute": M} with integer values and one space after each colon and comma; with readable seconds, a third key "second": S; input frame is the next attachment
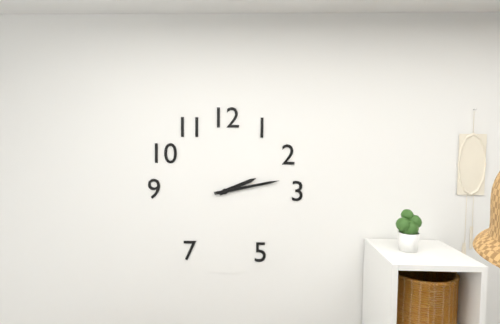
{"hour": 2, "minute": 13}
